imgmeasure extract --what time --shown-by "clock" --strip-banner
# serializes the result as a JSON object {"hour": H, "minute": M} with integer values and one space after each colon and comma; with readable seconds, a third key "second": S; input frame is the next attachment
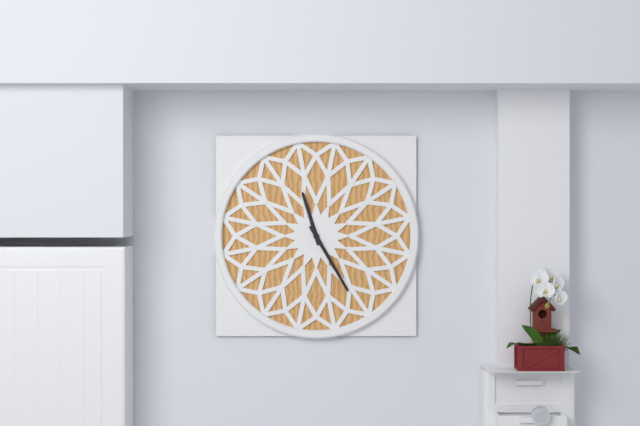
{"hour": 11, "minute": 25}
